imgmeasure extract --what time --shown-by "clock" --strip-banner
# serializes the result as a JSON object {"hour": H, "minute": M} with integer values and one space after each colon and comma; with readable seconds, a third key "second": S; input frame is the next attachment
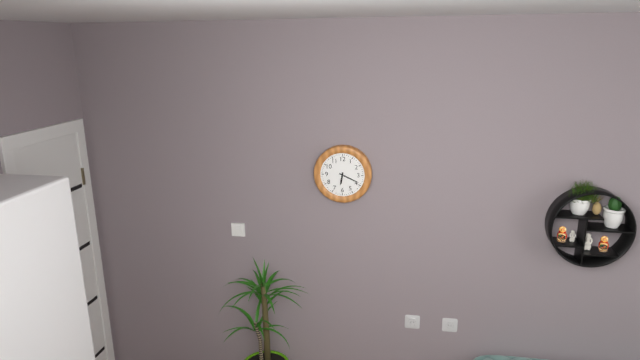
{"hour": 6, "minute": 19}
